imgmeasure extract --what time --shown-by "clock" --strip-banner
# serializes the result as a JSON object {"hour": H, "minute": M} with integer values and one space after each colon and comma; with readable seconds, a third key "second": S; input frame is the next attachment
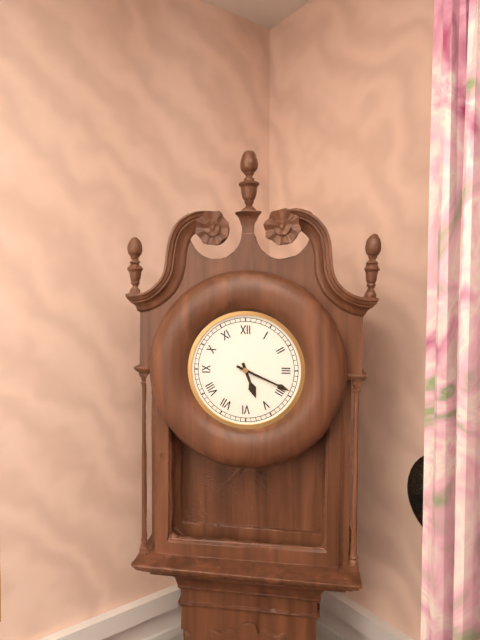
{"hour": 5, "minute": 19}
